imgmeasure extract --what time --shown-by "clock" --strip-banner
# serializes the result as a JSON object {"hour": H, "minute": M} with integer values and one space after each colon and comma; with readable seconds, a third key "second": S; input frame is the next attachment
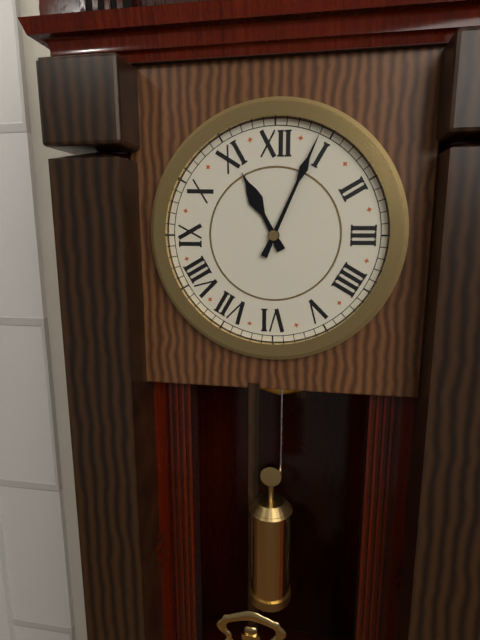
{"hour": 11, "minute": 4}
